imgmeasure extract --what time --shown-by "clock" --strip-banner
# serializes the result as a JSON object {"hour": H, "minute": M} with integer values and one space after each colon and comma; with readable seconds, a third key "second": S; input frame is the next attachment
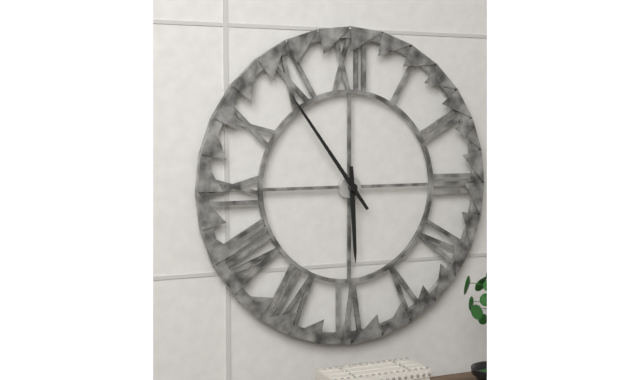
{"hour": 5, "minute": 54}
